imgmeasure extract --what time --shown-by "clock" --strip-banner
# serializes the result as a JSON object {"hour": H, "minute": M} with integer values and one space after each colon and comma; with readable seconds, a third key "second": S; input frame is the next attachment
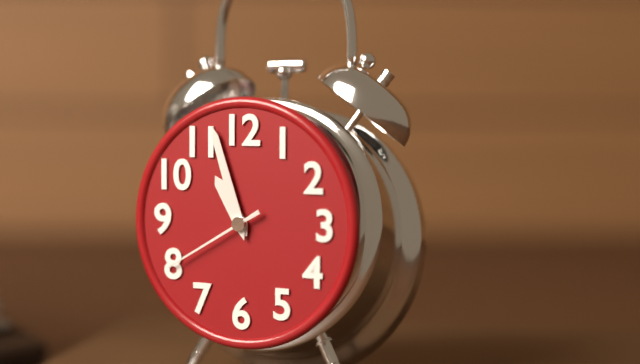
{"hour": 10, "minute": 57, "second": 40}
